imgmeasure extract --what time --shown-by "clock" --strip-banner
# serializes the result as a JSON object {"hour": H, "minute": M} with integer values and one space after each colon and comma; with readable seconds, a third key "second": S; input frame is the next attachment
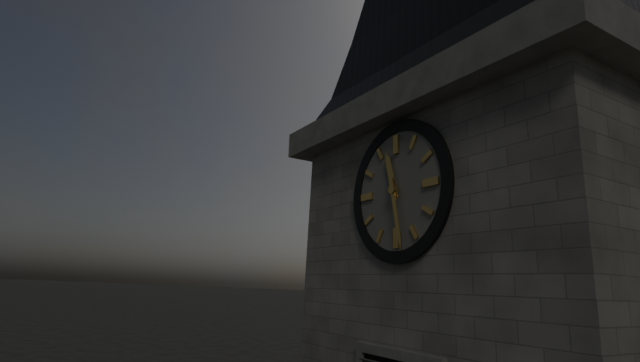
{"hour": 11, "minute": 28}
